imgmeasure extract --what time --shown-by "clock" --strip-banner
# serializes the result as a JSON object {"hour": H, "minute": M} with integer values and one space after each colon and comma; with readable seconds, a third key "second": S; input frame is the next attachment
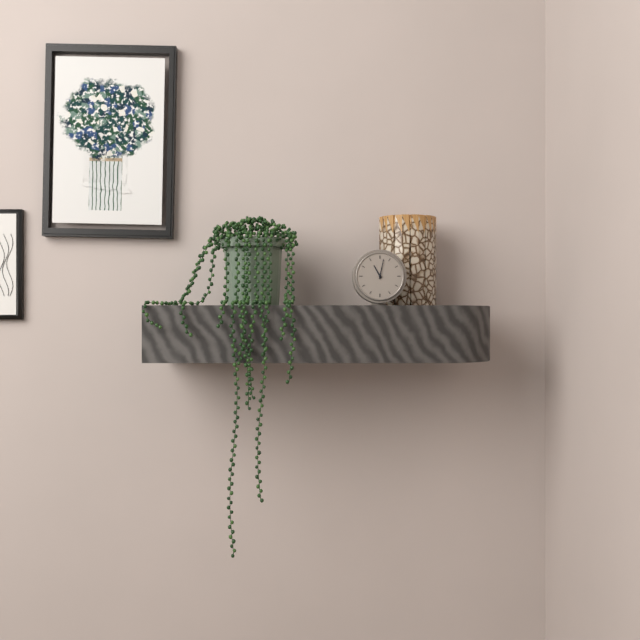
{"hour": 11, "minute": 2}
